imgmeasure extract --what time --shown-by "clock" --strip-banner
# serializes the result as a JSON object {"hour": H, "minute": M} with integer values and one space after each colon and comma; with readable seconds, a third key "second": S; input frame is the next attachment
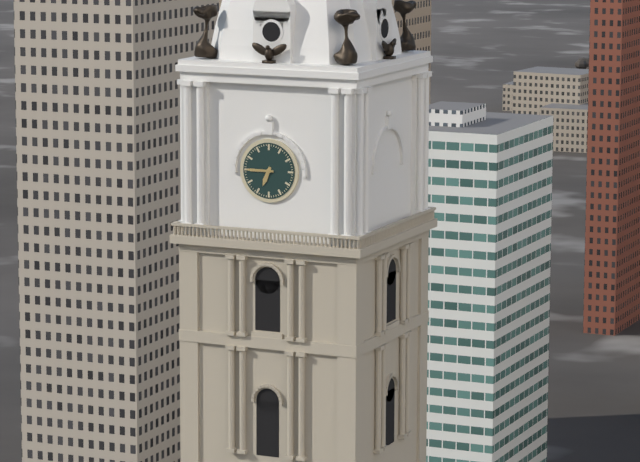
{"hour": 6, "minute": 45}
